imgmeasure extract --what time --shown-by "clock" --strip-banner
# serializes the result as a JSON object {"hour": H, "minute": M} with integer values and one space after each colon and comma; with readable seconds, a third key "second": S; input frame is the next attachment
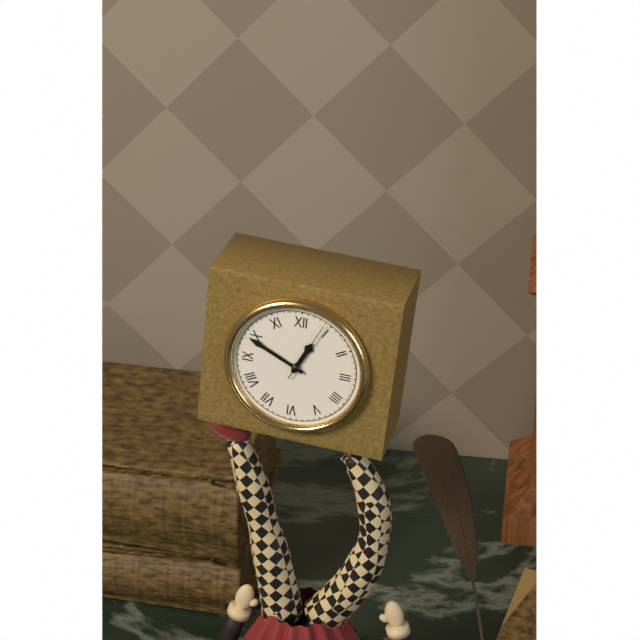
{"hour": 12, "minute": 49}
